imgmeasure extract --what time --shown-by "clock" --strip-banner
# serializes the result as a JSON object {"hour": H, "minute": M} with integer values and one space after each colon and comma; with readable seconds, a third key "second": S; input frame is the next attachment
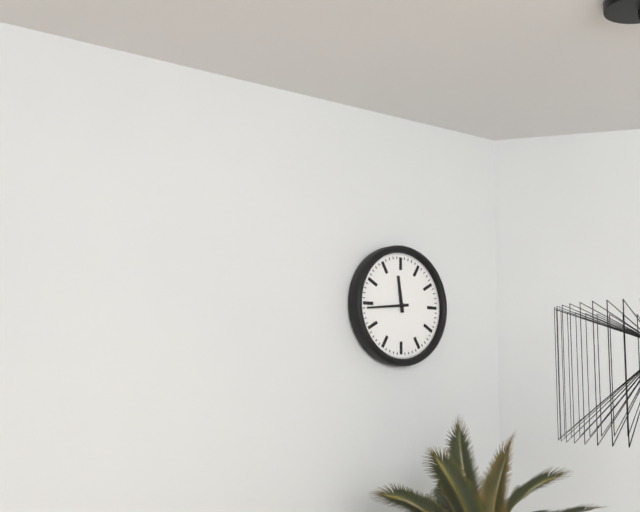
{"hour": 11, "minute": 44}
